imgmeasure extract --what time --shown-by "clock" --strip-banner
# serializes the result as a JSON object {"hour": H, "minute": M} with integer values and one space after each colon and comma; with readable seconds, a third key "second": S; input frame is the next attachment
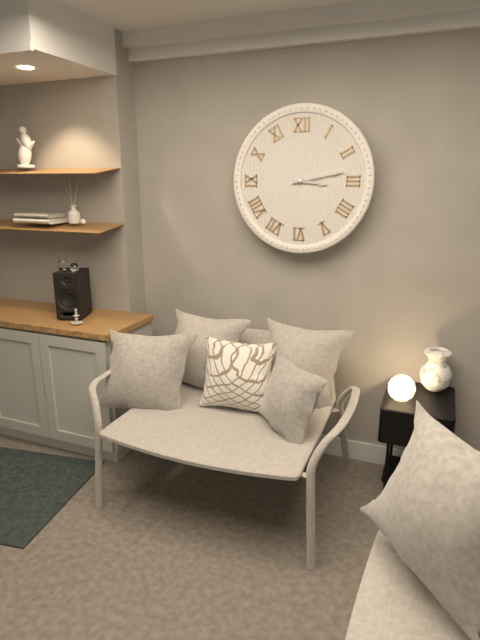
{"hour": 3, "minute": 13}
